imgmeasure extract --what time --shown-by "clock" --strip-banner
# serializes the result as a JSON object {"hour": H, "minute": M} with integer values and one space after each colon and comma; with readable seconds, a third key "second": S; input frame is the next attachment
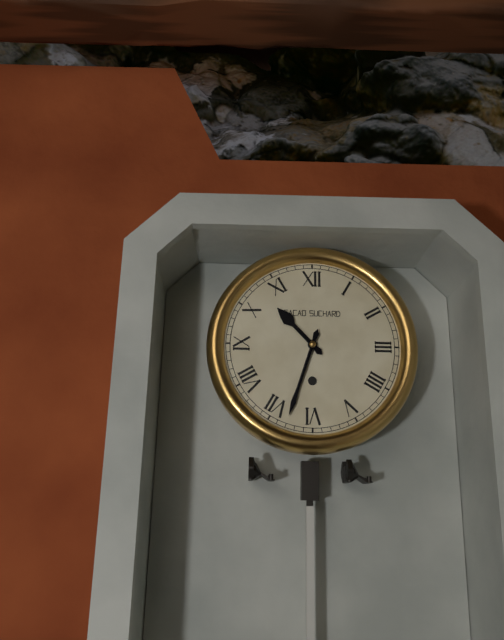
{"hour": 10, "minute": 33}
